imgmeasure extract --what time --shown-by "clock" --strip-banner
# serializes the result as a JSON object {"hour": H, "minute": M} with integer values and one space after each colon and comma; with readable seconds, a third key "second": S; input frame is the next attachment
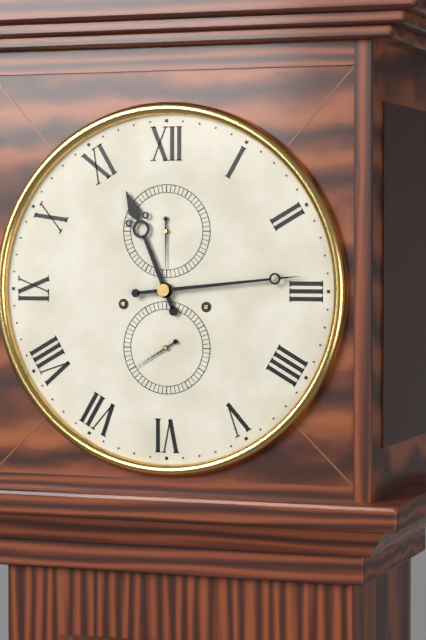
{"hour": 11, "minute": 14}
